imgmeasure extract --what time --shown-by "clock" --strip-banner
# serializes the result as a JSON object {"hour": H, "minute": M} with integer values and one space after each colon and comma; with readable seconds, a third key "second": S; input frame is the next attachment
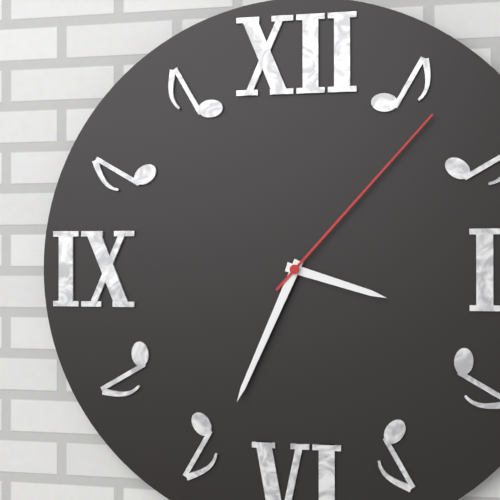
{"hour": 3, "minute": 34, "second": 7}
